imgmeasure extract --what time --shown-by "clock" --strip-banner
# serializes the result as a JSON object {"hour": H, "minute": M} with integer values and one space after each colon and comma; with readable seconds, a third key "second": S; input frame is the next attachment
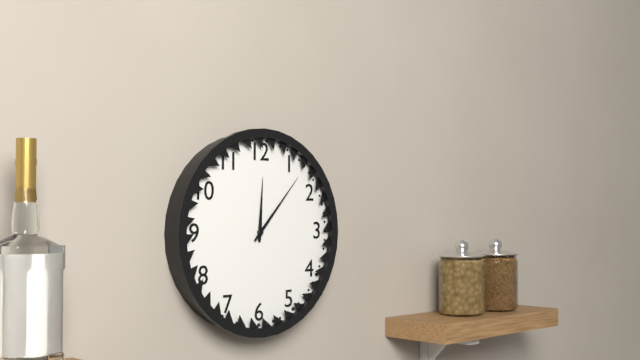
{"hour": 12, "minute": 7}
